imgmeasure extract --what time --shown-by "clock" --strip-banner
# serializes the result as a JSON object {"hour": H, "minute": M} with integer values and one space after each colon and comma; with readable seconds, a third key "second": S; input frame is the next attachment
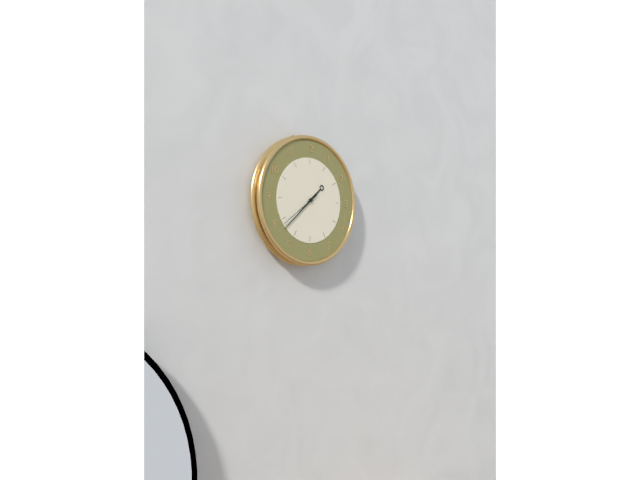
{"hour": 1, "minute": 38}
